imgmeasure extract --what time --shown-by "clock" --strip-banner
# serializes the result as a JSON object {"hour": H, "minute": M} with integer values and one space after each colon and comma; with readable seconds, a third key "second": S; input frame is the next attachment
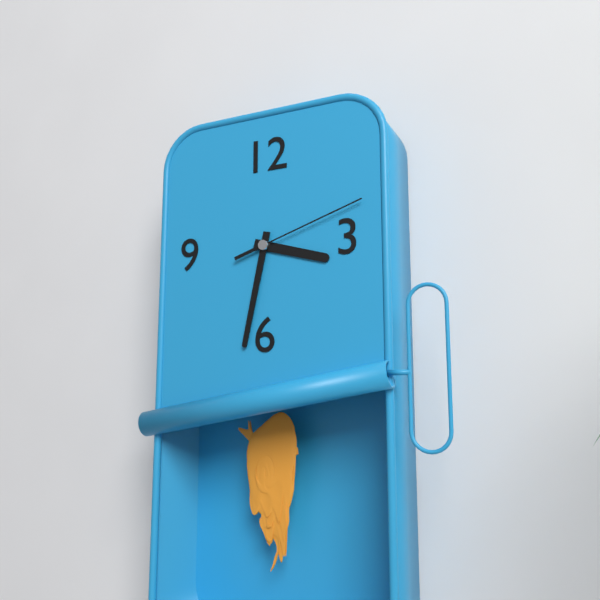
{"hour": 3, "minute": 32, "second": 12}
